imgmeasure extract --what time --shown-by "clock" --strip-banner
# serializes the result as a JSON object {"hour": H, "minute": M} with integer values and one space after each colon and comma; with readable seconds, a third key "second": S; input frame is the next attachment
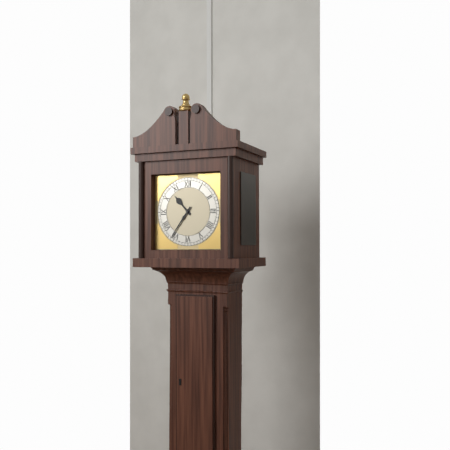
{"hour": 10, "minute": 36}
